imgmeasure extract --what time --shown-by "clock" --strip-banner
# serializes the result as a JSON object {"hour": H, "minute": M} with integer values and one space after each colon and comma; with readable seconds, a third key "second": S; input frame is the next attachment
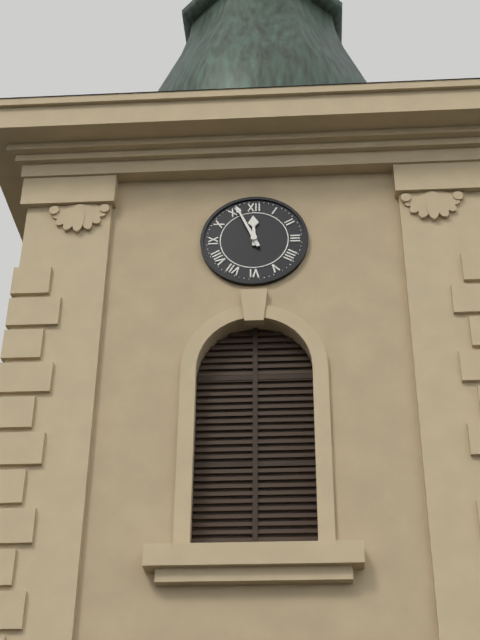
{"hour": 11, "minute": 56}
